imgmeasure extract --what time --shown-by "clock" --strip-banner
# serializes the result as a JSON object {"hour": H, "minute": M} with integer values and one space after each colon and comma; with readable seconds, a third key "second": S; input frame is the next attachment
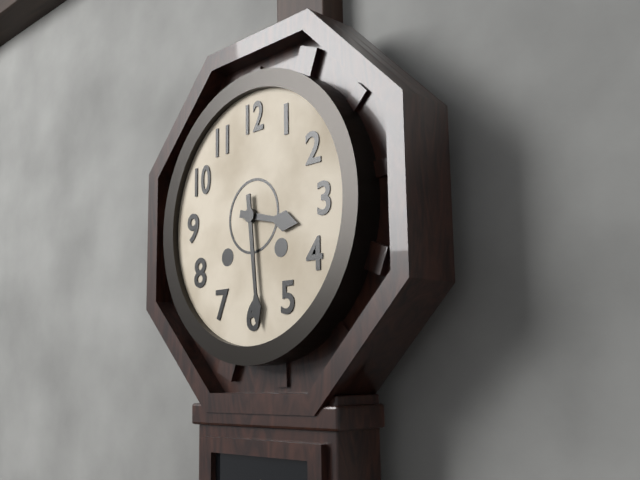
{"hour": 3, "minute": 29}
